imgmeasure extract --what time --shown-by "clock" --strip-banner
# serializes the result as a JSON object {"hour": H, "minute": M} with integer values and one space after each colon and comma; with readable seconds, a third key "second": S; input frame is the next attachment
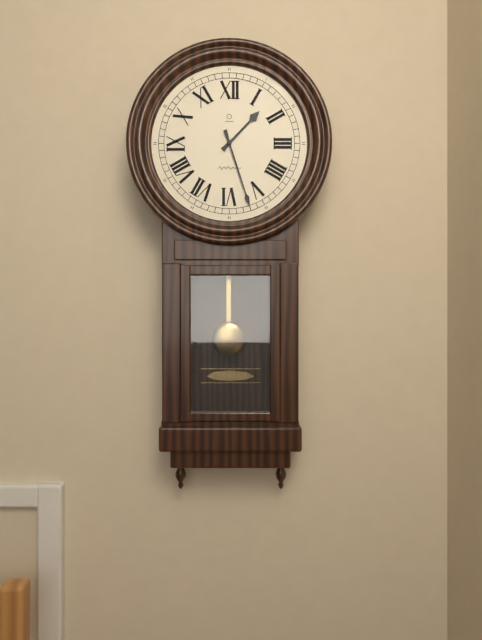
{"hour": 1, "minute": 27}
